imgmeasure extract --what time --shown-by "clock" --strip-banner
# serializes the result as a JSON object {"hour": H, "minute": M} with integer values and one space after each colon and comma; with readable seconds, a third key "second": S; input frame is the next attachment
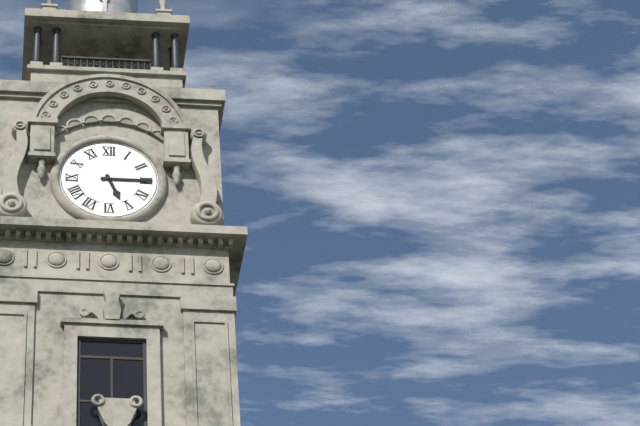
{"hour": 5, "minute": 15}
